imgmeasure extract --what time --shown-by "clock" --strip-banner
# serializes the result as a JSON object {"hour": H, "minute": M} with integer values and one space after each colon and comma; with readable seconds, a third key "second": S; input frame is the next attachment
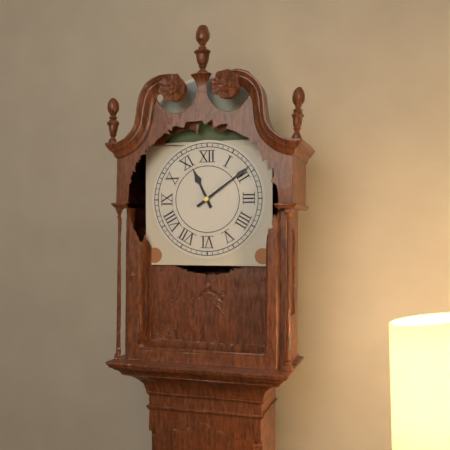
{"hour": 11, "minute": 9}
